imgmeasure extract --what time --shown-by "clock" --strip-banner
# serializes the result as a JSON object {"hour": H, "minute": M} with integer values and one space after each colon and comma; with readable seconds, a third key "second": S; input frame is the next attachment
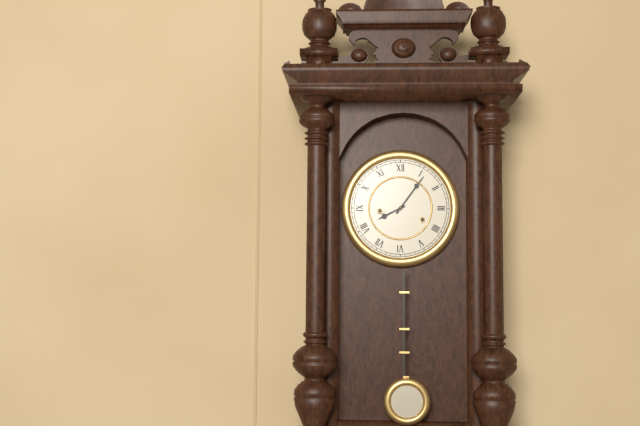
{"hour": 8, "minute": 6}
